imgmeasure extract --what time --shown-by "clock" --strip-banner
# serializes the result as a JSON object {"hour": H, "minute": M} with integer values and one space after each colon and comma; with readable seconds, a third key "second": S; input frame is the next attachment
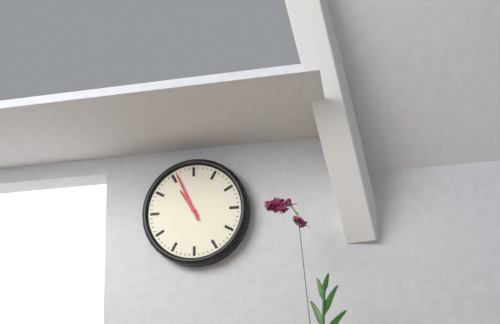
{"hour": 10, "minute": 56}
